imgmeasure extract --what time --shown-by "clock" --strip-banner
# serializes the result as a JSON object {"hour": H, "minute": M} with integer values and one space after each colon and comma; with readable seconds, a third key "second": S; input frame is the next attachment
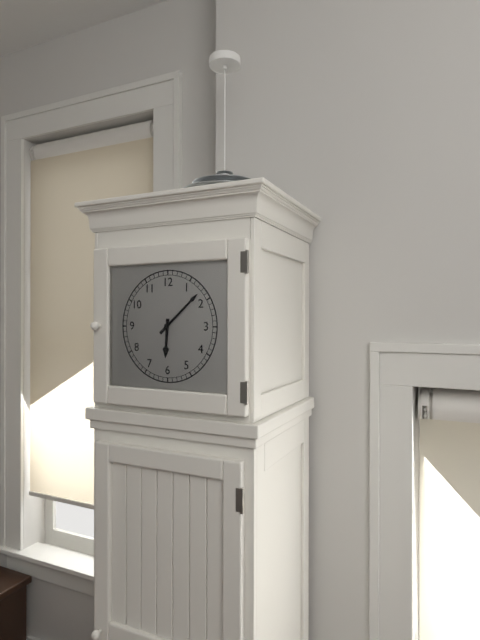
{"hour": 6, "minute": 8}
